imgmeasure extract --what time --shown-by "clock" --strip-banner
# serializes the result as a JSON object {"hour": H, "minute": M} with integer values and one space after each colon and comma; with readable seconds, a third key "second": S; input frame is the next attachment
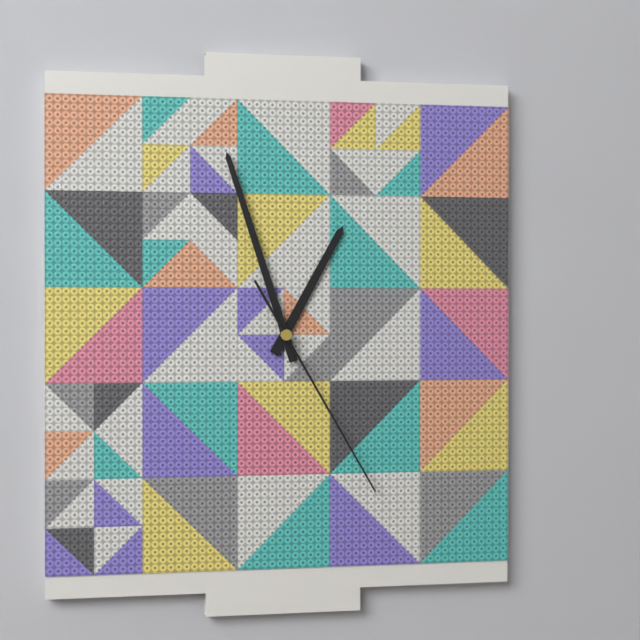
{"hour": 12, "minute": 57, "second": 25}
